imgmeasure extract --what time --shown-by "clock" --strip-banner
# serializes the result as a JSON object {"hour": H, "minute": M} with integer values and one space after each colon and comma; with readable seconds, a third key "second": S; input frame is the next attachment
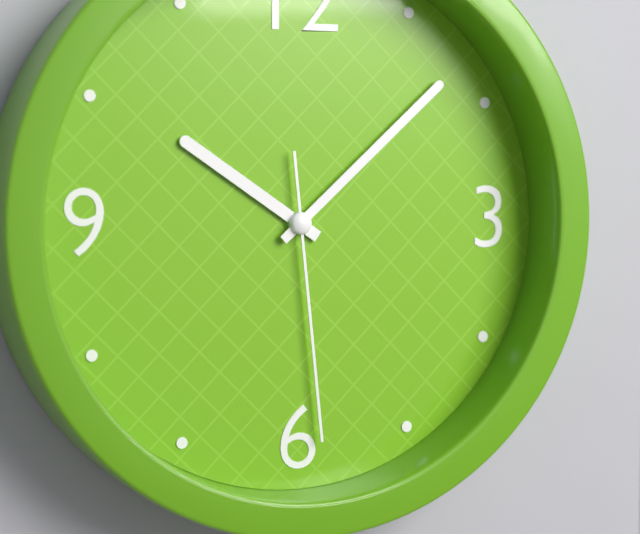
{"hour": 10, "minute": 8, "second": 29}
